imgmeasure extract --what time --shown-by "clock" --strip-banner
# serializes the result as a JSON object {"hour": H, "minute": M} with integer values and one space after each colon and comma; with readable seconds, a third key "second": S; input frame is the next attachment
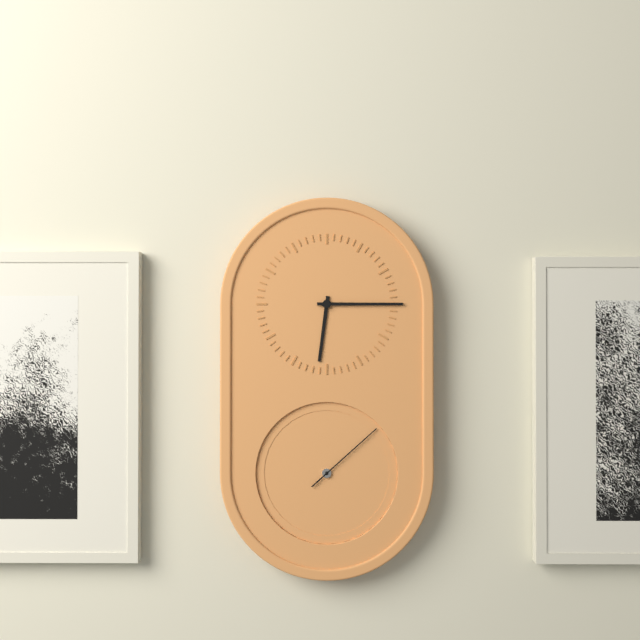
{"hour": 6, "minute": 15, "second": 8}
